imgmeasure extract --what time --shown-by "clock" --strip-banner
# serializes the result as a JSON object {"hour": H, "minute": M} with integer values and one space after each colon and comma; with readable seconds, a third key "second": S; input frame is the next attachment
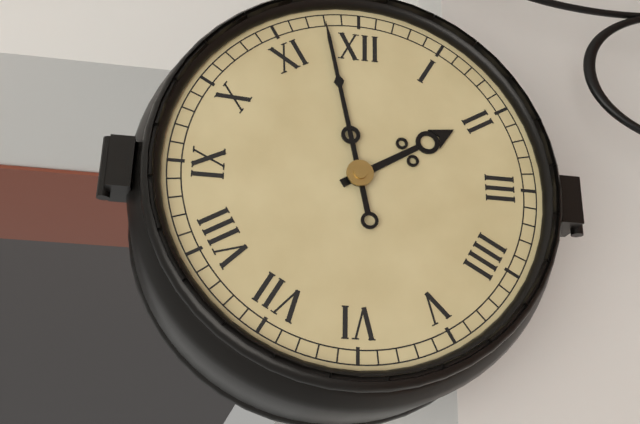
{"hour": 1, "minute": 58}
